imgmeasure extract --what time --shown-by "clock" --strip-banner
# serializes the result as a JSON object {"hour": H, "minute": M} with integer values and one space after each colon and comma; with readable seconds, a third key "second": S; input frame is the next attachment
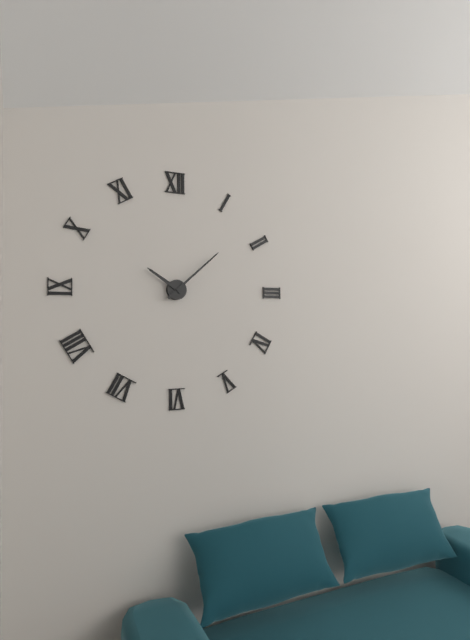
{"hour": 10, "minute": 8}
